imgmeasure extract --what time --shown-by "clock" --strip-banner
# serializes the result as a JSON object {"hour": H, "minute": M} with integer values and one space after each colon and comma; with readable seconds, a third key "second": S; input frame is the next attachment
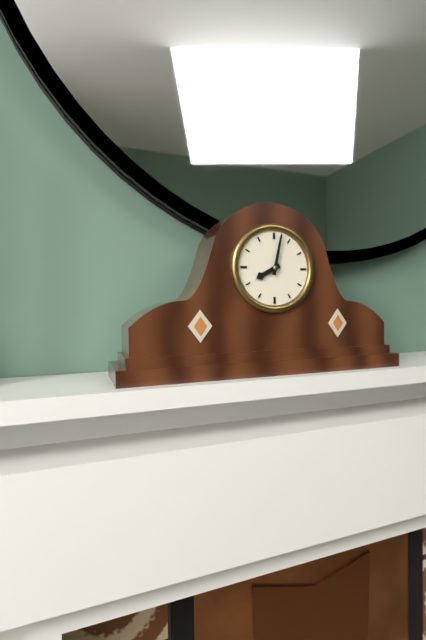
{"hour": 8, "minute": 2}
